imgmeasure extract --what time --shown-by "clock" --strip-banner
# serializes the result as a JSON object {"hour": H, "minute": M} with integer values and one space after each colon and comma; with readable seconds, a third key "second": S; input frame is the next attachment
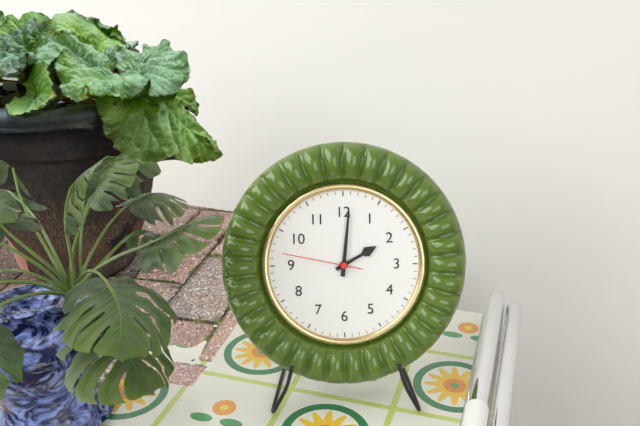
{"hour": 2, "minute": 1, "second": 47}
